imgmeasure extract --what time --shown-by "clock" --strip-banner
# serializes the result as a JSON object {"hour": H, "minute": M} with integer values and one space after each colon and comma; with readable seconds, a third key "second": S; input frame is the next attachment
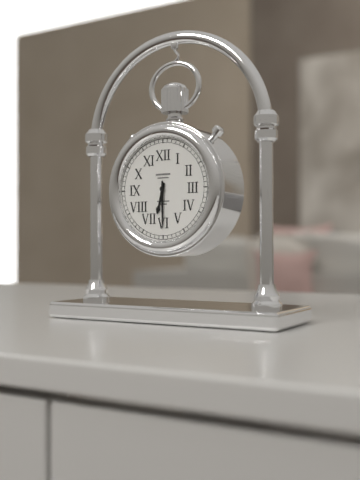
{"hour": 6, "minute": 30}
